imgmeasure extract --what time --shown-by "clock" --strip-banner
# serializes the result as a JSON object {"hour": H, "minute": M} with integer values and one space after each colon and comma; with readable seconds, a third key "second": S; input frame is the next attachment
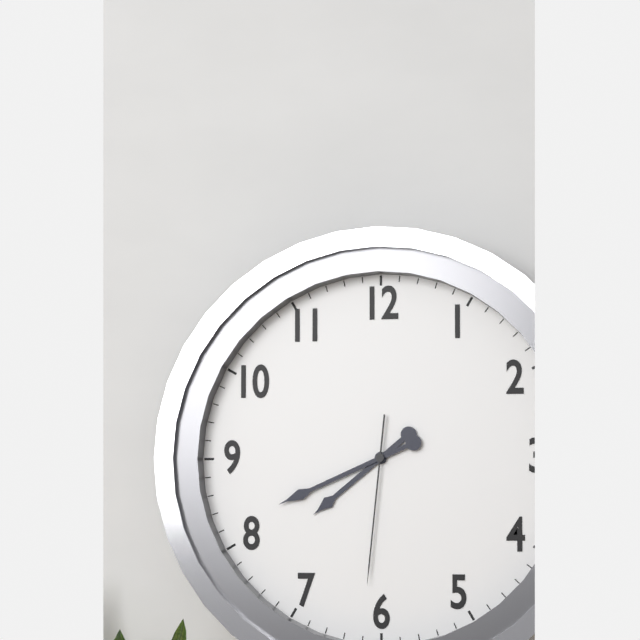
{"hour": 7, "minute": 41, "second": 31}
